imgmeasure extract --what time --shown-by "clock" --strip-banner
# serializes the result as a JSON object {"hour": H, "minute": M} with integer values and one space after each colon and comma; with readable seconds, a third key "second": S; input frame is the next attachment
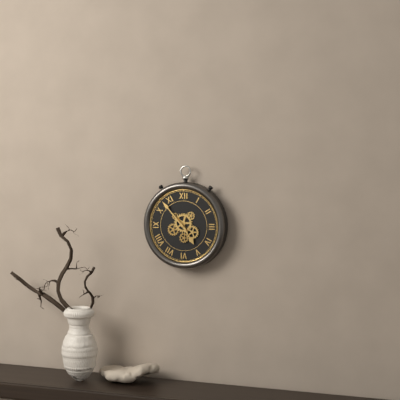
{"hour": 4, "minute": 53}
